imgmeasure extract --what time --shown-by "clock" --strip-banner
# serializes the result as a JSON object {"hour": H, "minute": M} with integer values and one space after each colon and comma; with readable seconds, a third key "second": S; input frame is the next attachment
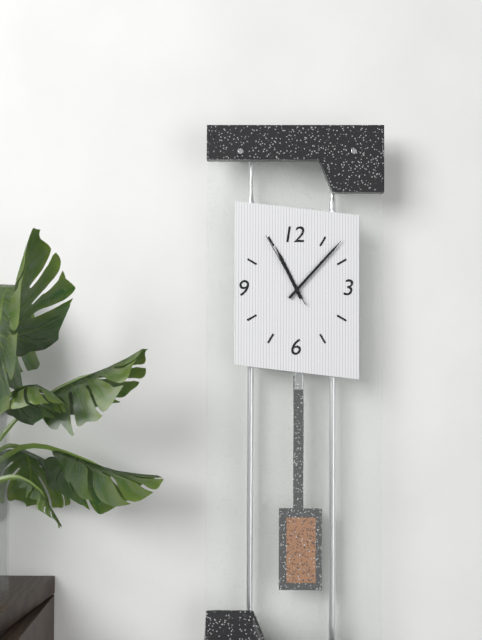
{"hour": 11, "minute": 7, "second": 55}
